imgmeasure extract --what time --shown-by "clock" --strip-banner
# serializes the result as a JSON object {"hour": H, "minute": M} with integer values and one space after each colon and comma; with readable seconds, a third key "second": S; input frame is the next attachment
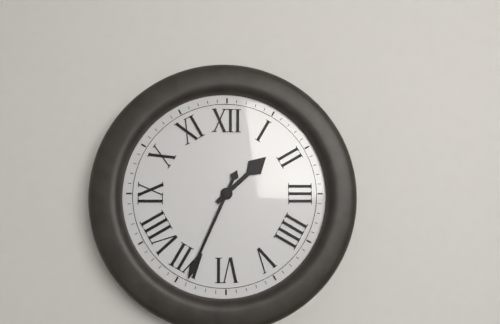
{"hour": 1, "minute": 34}
